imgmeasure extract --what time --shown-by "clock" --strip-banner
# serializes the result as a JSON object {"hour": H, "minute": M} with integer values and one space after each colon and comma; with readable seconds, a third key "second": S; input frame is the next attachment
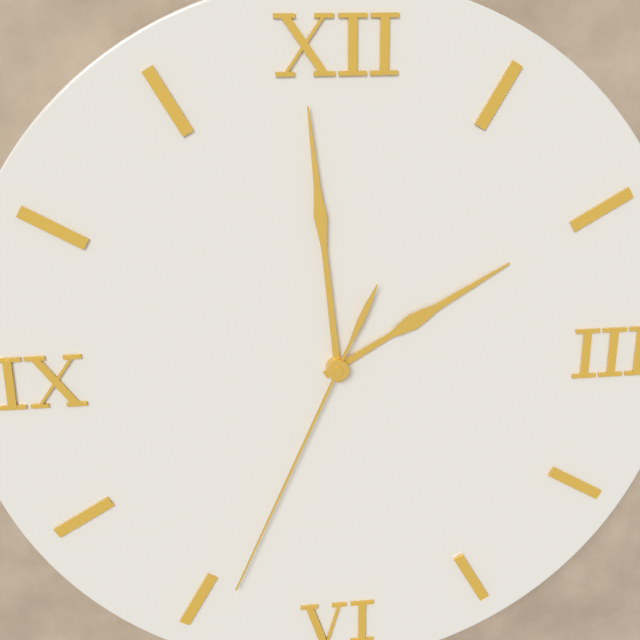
{"hour": 1, "minute": 59, "second": 34}
